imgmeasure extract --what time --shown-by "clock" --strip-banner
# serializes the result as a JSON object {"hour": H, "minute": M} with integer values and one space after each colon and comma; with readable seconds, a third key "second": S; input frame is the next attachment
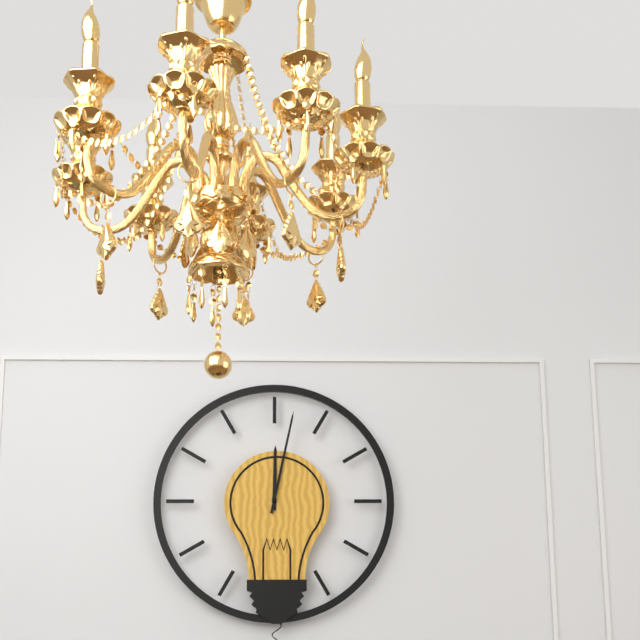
{"hour": 12, "minute": 2}
